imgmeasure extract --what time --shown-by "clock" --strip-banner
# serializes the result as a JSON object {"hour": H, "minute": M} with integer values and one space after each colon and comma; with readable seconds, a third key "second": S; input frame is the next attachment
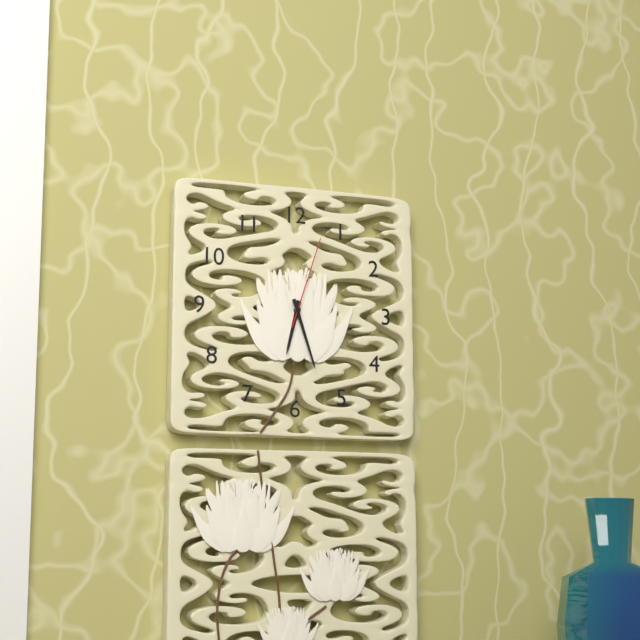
{"hour": 6, "minute": 27, "second": 3}
